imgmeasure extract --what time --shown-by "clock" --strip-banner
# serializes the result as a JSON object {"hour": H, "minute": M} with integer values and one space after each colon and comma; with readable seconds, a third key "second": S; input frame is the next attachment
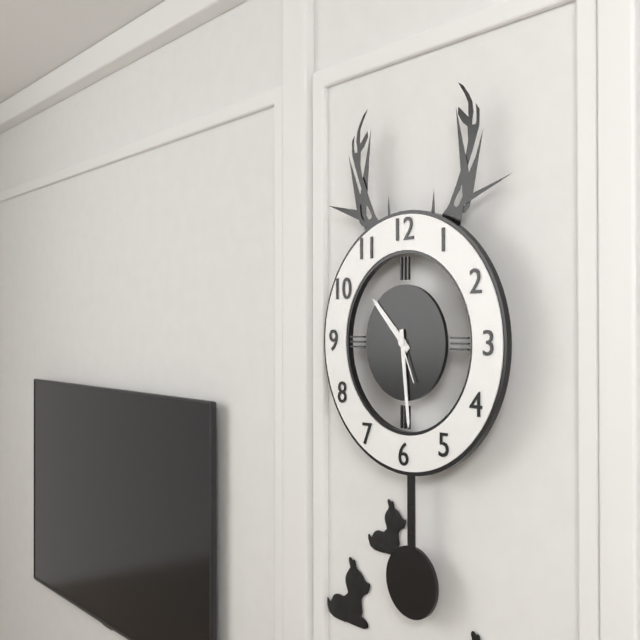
{"hour": 10, "minute": 29, "second": 26}
